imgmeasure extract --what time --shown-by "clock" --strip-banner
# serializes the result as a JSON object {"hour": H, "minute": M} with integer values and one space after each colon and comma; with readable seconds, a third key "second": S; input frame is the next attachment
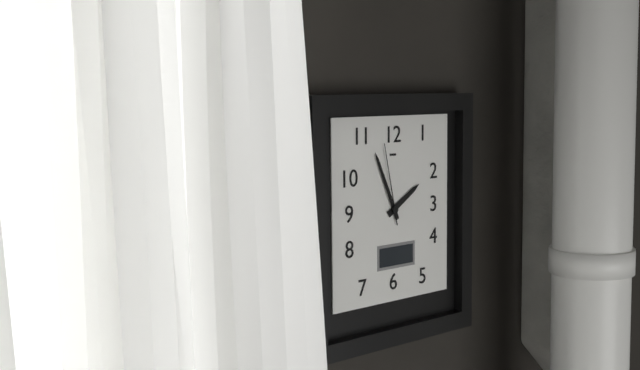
{"hour": 1, "minute": 56, "second": 58}
